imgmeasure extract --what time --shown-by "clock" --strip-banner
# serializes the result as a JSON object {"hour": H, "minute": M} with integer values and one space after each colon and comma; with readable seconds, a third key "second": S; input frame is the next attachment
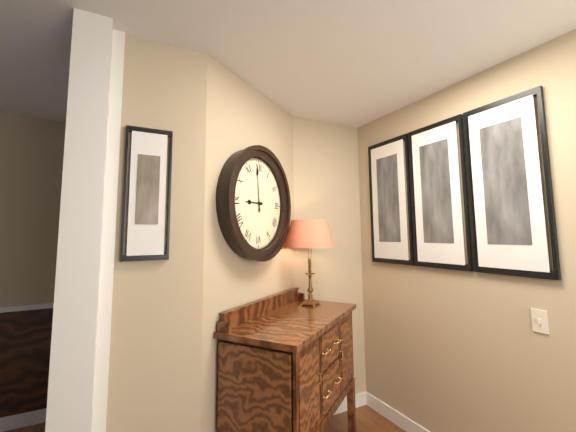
{"hour": 8, "minute": 59}
